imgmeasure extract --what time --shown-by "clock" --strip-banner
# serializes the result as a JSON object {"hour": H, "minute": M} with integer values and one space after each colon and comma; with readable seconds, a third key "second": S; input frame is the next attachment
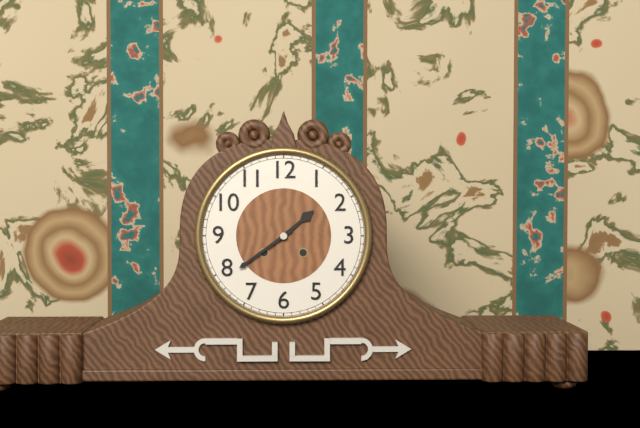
{"hour": 1, "minute": 39}
